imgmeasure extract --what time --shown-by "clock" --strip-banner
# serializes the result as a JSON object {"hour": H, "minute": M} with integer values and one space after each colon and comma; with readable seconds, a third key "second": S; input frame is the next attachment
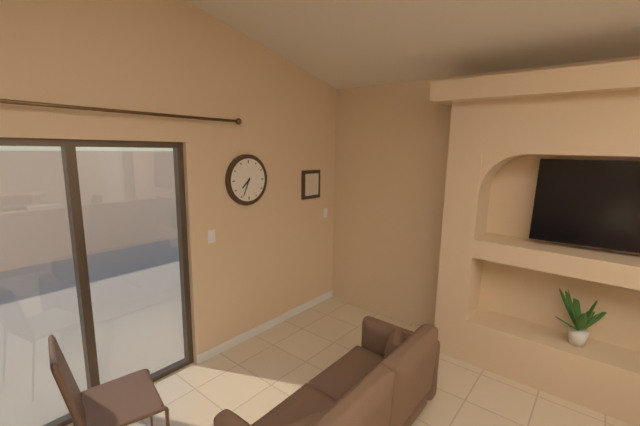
{"hour": 7, "minute": 34}
